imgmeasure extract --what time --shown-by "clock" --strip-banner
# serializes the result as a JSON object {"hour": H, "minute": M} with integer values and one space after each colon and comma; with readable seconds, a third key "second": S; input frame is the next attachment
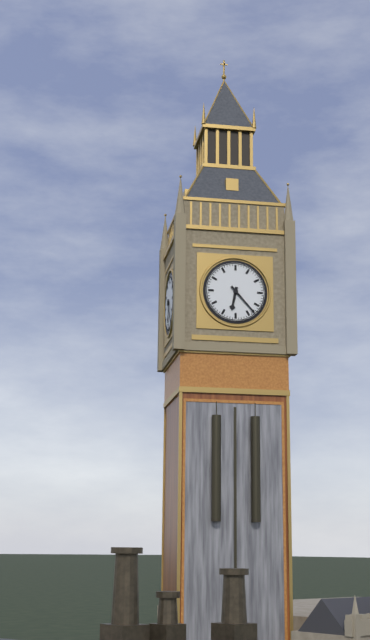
{"hour": 6, "minute": 23}
